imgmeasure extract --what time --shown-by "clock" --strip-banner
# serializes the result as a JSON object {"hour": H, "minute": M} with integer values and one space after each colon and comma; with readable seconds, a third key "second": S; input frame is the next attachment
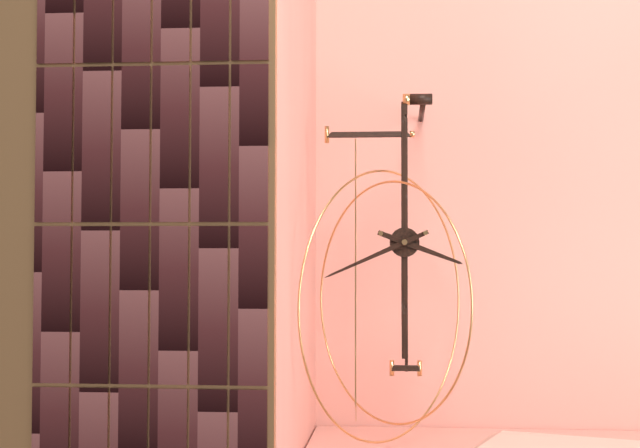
{"hour": 3, "minute": 41}
